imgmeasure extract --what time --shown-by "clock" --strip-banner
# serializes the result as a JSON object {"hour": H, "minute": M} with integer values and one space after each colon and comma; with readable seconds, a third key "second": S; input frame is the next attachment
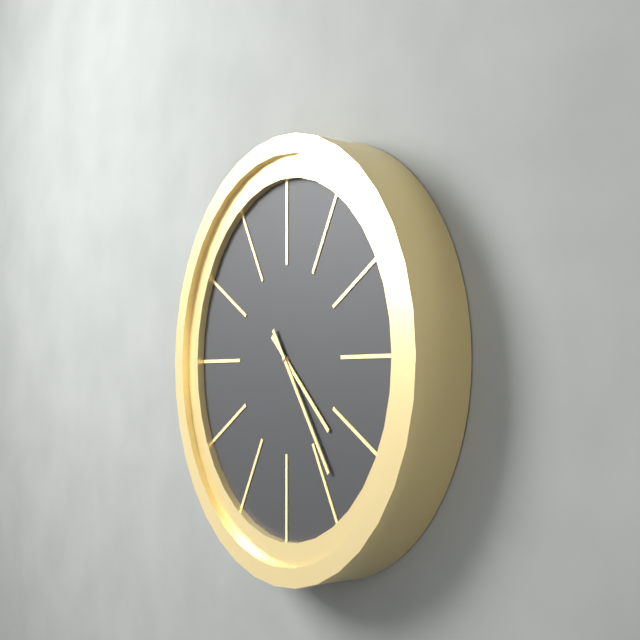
{"hour": 4, "minute": 24}
